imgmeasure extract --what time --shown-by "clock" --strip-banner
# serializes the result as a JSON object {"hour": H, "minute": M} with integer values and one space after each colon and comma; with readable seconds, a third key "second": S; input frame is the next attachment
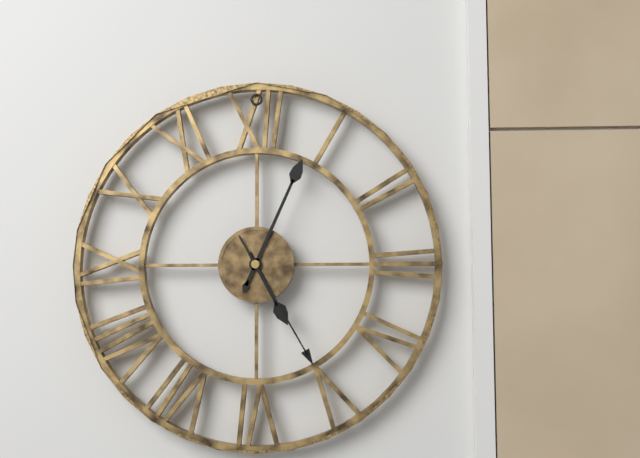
{"hour": 5, "minute": 4, "second": 25}
